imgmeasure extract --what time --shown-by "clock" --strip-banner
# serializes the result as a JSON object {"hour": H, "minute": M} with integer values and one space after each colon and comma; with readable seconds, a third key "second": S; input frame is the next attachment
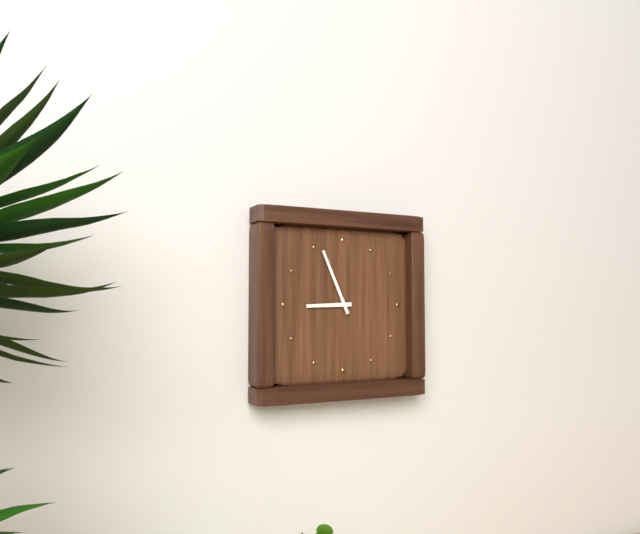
{"hour": 8, "minute": 56}
